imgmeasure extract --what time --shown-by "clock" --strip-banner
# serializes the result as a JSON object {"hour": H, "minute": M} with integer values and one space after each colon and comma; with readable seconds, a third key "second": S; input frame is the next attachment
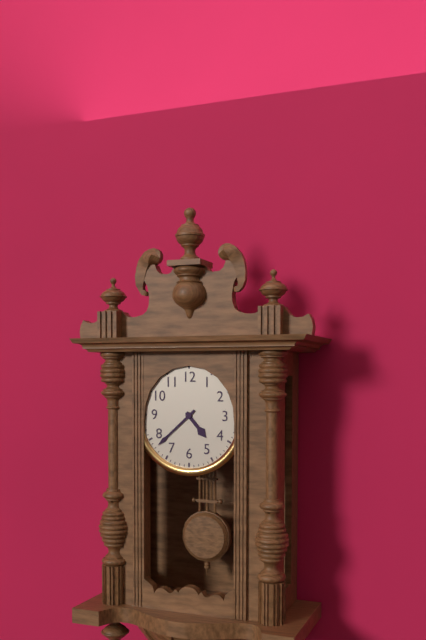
{"hour": 4, "minute": 38}
